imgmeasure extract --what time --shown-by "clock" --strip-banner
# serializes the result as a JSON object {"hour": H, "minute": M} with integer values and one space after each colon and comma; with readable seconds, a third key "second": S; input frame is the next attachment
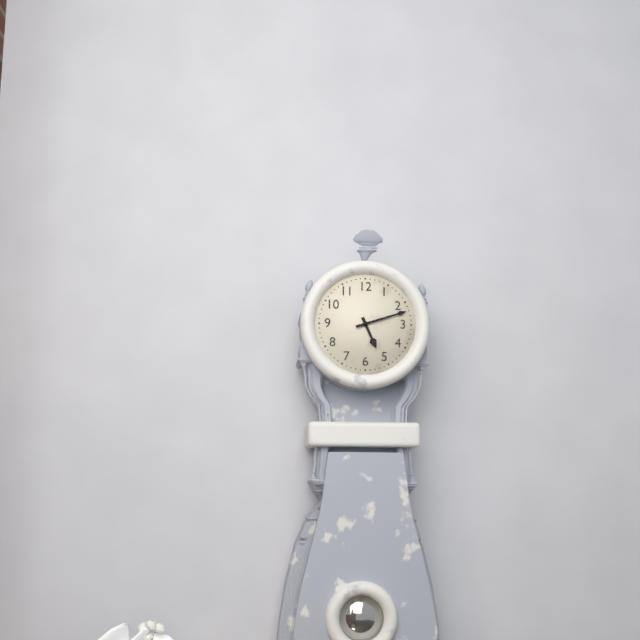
{"hour": 5, "minute": 12}
